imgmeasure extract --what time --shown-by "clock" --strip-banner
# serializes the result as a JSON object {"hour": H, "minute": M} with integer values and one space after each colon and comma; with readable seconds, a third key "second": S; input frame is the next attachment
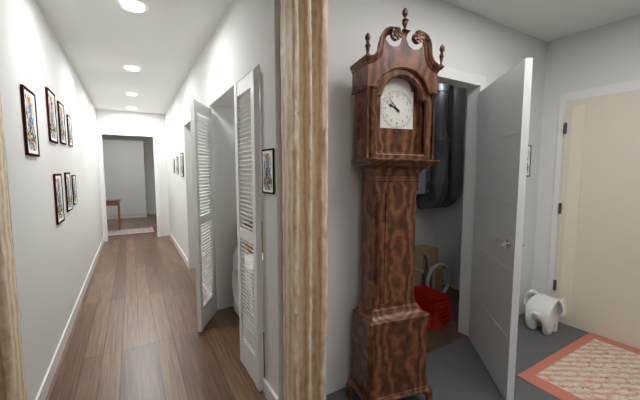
{"hour": 9, "minute": 53}
